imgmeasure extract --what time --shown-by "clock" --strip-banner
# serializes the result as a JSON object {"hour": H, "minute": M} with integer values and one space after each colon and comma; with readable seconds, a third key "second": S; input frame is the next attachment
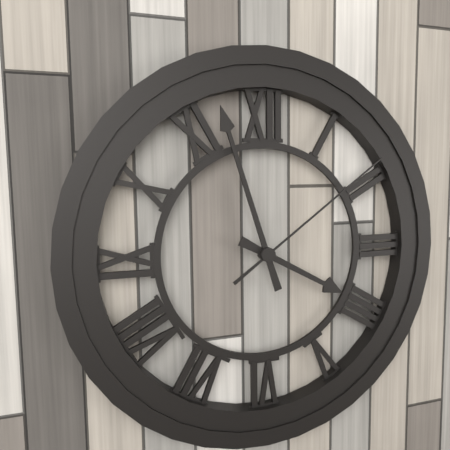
{"hour": 3, "minute": 57, "second": 9}
